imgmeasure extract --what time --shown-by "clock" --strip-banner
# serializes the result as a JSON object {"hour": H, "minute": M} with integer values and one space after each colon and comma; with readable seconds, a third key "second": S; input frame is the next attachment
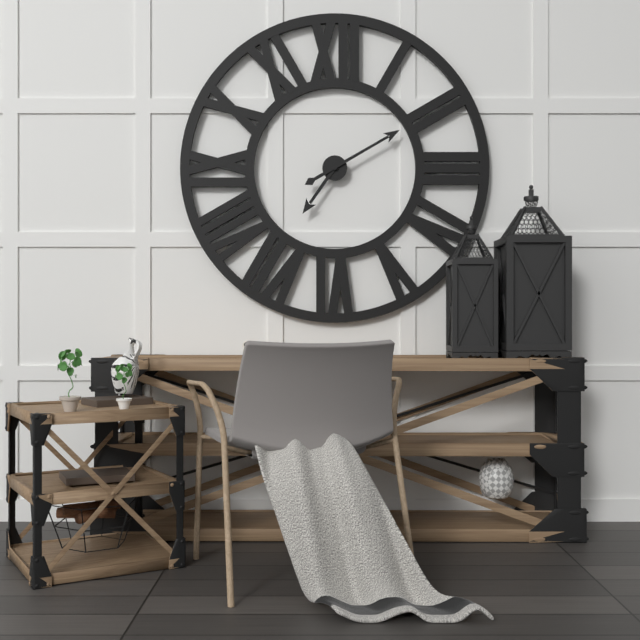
{"hour": 7, "minute": 10}
